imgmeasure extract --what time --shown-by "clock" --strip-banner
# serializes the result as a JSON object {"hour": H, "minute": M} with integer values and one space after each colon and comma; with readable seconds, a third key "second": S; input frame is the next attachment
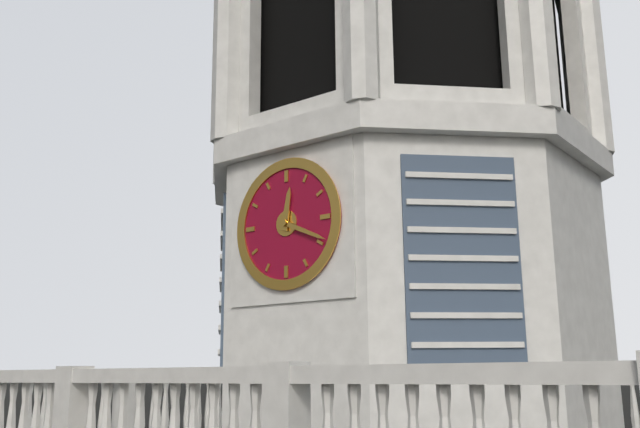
{"hour": 12, "minute": 19}
